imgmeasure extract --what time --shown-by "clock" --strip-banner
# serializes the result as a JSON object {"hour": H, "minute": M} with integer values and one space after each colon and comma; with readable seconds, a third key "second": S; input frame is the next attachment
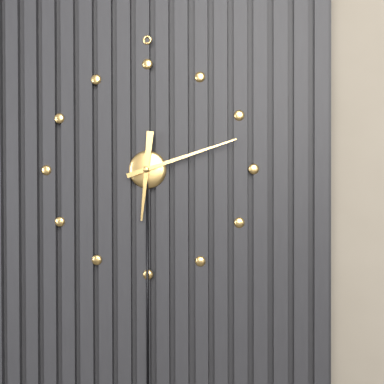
{"hour": 6, "minute": 12}
